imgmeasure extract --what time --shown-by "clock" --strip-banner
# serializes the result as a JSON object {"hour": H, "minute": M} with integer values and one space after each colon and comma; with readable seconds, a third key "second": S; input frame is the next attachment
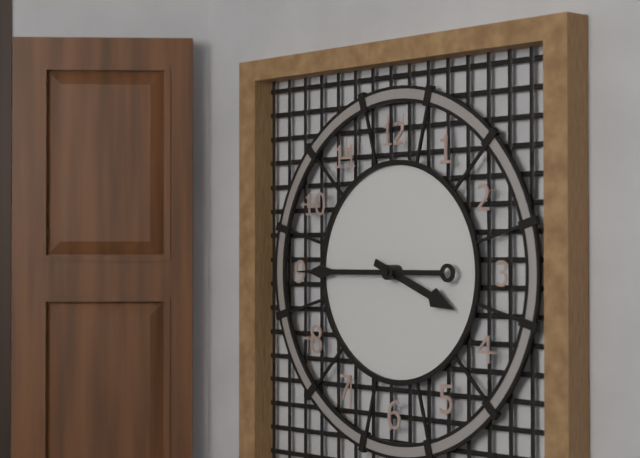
{"hour": 3, "minute": 45}
